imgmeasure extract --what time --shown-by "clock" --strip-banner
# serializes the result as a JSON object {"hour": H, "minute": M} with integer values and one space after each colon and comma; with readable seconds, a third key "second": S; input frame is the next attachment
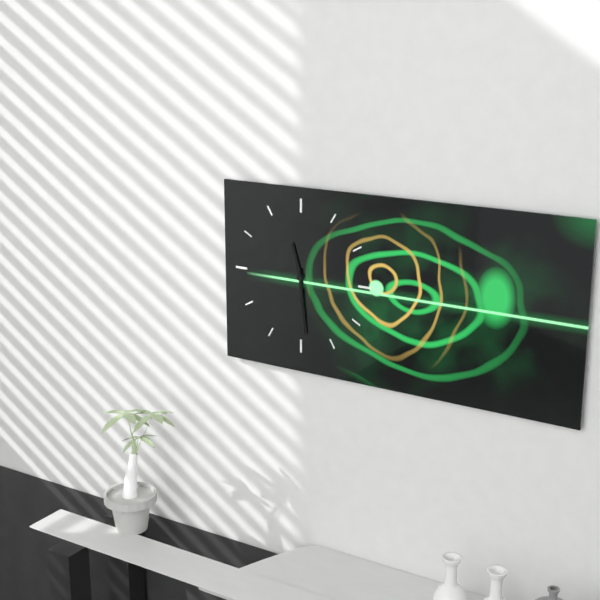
{"hour": 11, "minute": 29}
